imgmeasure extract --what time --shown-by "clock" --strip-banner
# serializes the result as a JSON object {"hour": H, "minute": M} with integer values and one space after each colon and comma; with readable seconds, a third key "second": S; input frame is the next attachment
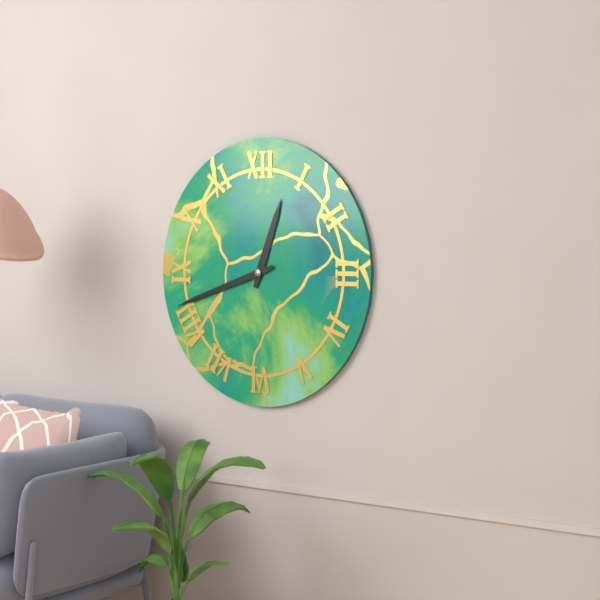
{"hour": 12, "minute": 42}
